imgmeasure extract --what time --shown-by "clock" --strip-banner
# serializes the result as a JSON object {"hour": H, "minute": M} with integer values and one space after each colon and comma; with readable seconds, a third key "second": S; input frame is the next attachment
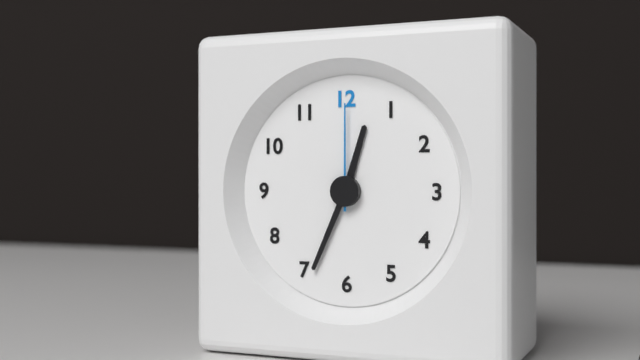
{"hour": 12, "minute": 34, "second": 0}
